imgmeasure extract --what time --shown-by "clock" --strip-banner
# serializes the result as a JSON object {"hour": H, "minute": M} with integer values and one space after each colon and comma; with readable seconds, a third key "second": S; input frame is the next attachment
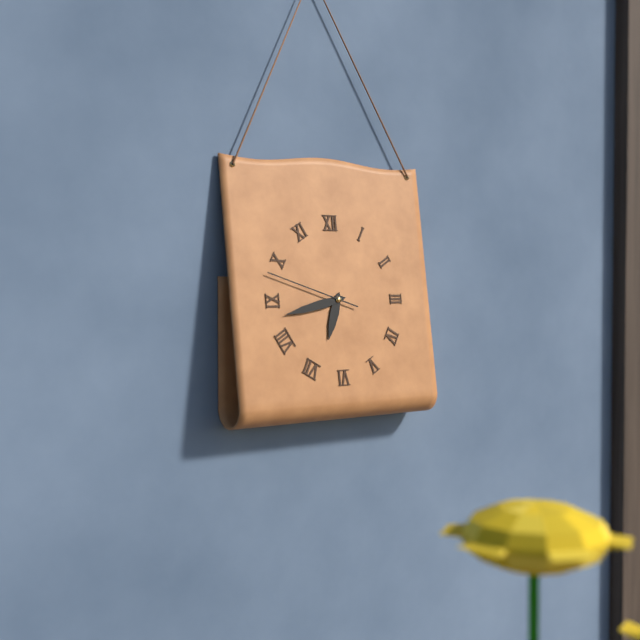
{"hour": 6, "minute": 43, "second": 48}
